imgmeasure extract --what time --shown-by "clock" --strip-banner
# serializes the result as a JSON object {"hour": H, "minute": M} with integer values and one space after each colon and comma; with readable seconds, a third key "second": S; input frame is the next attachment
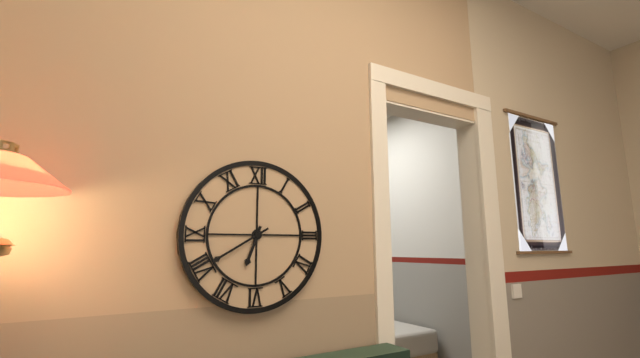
{"hour": 6, "minute": 40}
